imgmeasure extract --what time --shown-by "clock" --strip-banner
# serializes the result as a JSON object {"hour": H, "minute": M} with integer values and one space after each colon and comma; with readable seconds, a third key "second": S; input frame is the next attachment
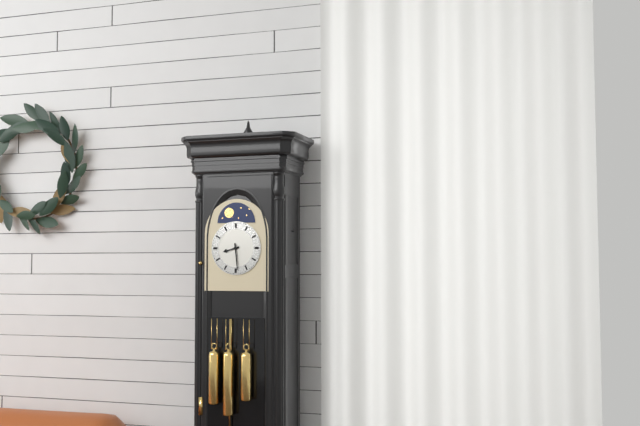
{"hour": 8, "minute": 29}
